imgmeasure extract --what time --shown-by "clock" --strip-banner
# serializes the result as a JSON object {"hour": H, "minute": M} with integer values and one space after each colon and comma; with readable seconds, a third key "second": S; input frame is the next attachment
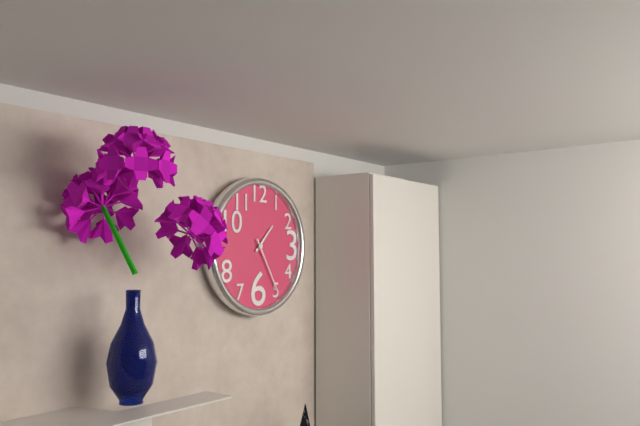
{"hour": 1, "minute": 25}
